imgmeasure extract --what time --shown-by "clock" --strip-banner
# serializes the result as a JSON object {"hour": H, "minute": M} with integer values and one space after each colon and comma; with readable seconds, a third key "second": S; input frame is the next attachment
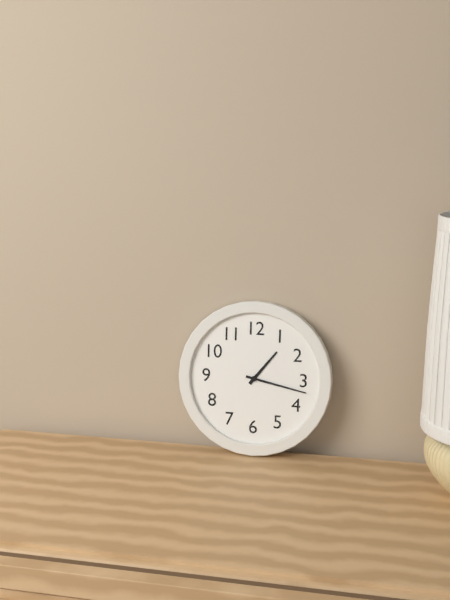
{"hour": 1, "minute": 17}
